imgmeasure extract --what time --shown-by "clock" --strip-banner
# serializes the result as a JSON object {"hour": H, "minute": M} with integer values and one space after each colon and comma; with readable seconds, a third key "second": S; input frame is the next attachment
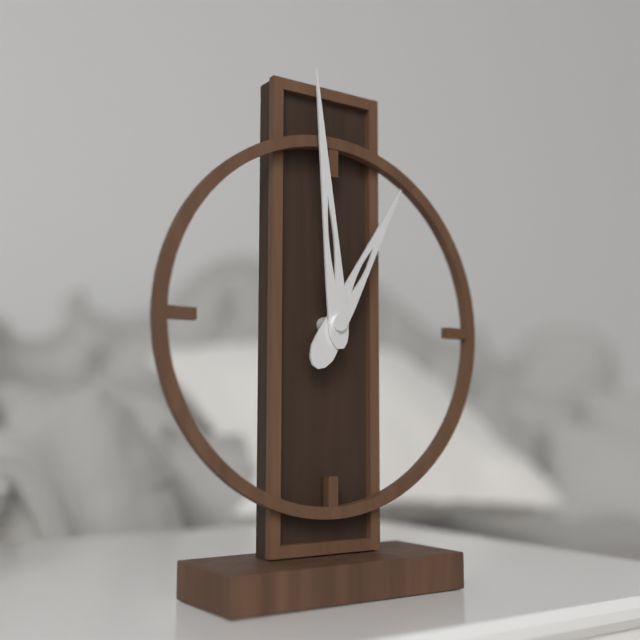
{"hour": 12, "minute": 59}
